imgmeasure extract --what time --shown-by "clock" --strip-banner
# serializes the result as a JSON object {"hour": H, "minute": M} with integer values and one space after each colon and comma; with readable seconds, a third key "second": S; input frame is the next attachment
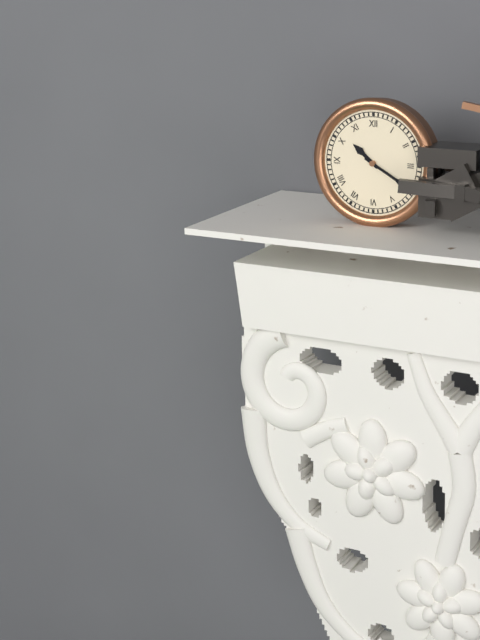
{"hour": 10, "minute": 20}
